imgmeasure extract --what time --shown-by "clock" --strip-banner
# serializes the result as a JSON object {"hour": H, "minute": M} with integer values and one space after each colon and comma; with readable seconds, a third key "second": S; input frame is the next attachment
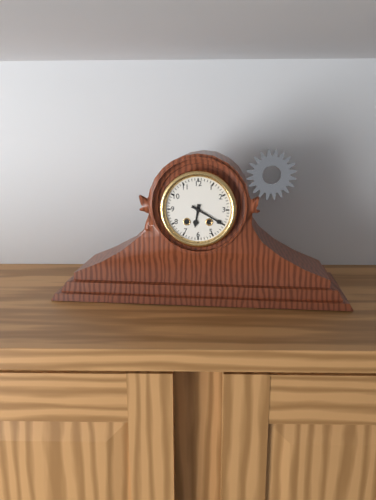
{"hour": 6, "minute": 20}
